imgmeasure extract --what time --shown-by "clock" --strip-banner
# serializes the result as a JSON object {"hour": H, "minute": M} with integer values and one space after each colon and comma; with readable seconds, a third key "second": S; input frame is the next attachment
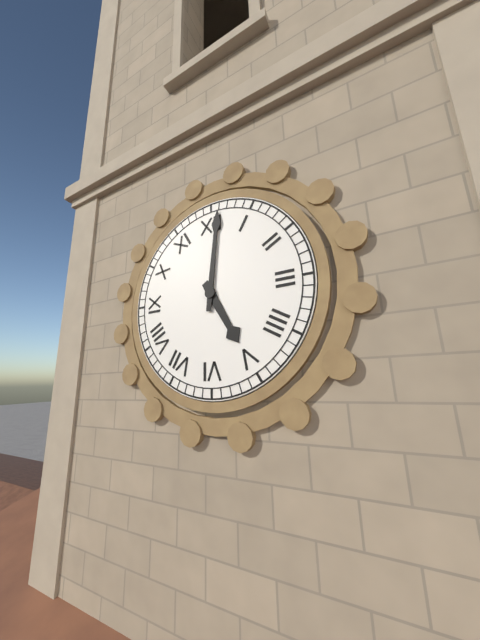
{"hour": 5, "minute": 1}
